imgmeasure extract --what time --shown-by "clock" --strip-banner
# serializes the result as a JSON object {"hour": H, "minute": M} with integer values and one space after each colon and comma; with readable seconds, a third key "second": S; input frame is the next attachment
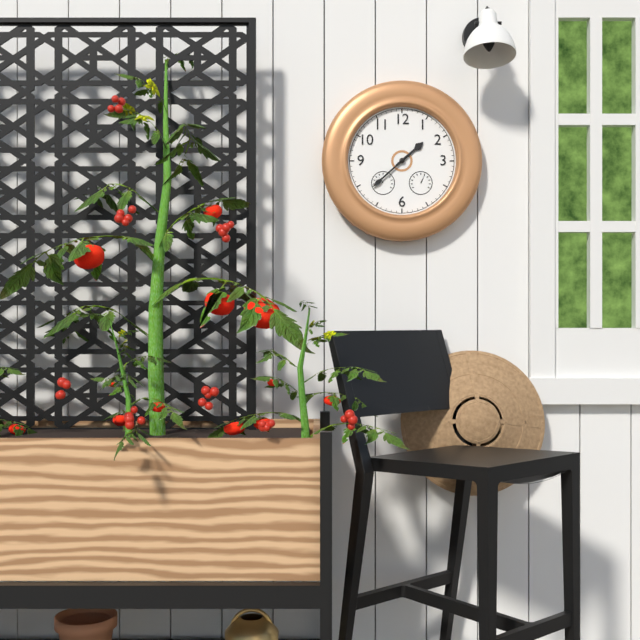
{"hour": 1, "minute": 38}
